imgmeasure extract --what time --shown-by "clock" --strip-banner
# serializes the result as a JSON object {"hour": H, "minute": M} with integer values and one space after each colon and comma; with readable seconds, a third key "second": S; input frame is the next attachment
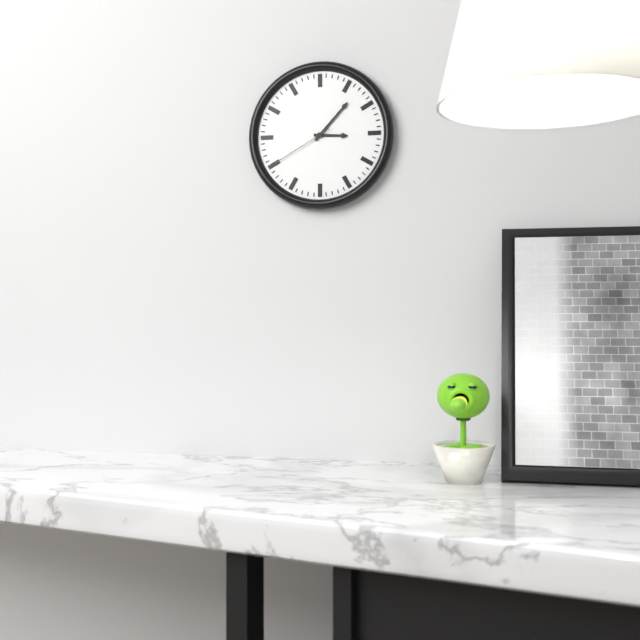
{"hour": 3, "minute": 7, "second": 40}
